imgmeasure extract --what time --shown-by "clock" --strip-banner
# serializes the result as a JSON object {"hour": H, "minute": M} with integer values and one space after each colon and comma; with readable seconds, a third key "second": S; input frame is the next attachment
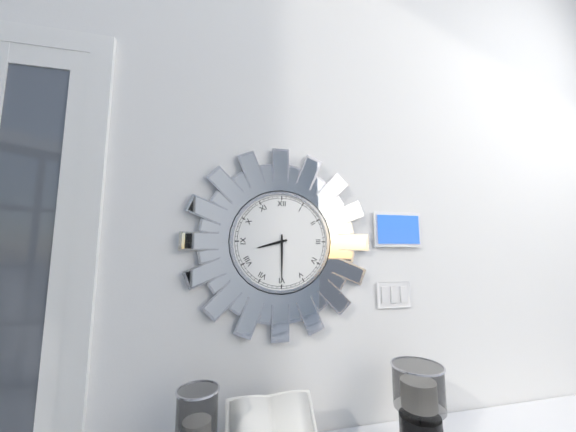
{"hour": 8, "minute": 30}
